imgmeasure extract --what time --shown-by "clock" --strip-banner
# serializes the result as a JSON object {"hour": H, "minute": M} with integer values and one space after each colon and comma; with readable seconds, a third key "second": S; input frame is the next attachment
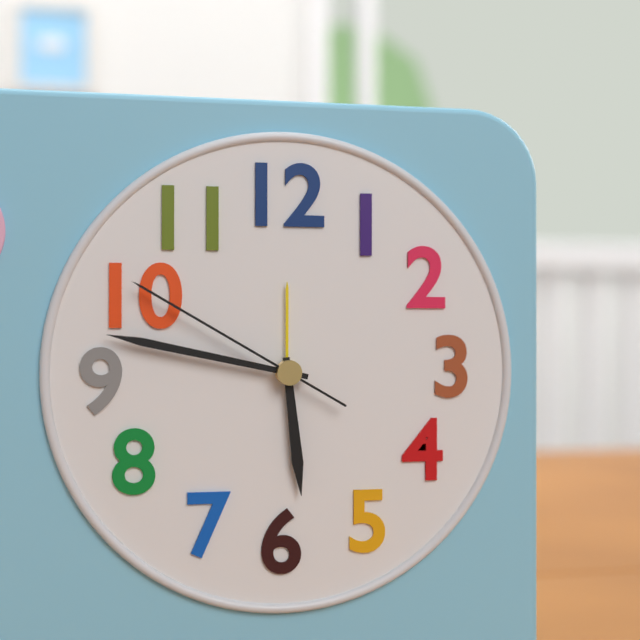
{"hour": 5, "minute": 47, "second": 50}
